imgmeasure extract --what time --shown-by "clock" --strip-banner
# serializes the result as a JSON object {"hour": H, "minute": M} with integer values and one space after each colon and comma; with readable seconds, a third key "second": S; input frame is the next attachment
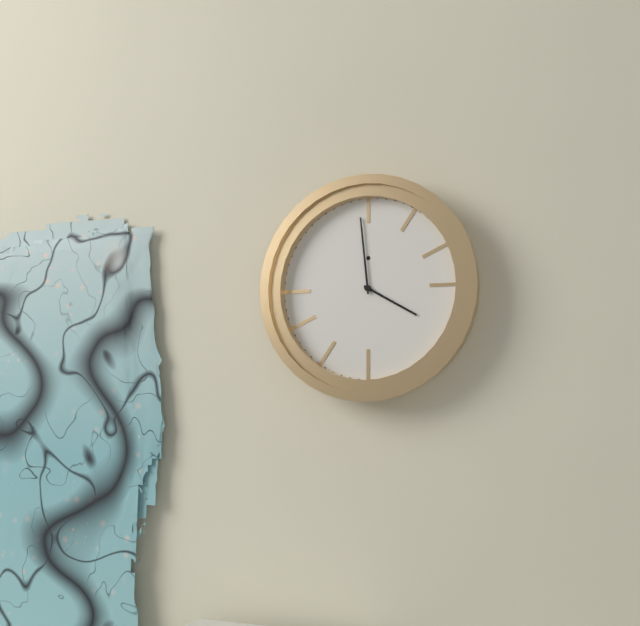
{"hour": 3, "minute": 59}
